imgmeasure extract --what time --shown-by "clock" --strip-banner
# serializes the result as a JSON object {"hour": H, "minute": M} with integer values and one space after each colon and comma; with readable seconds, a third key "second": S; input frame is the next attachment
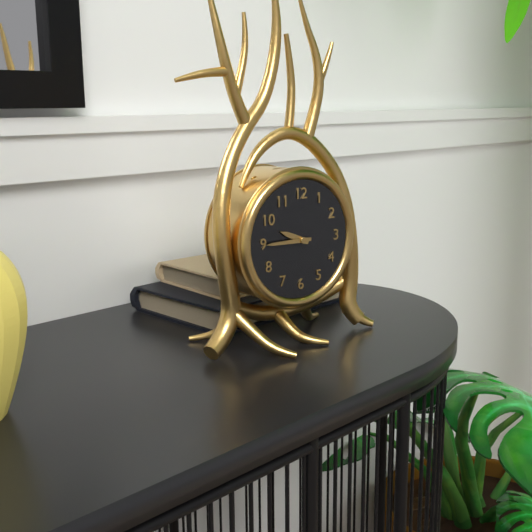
{"hour": 9, "minute": 45}
